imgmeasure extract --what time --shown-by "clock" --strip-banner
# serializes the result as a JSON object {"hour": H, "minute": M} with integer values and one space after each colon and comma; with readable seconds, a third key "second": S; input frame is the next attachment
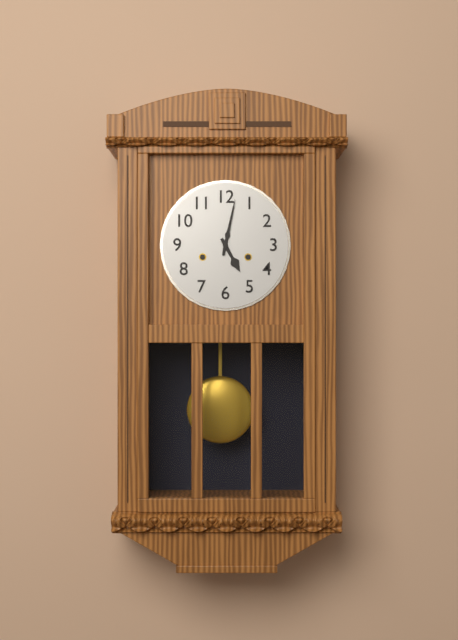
{"hour": 5, "minute": 2}
